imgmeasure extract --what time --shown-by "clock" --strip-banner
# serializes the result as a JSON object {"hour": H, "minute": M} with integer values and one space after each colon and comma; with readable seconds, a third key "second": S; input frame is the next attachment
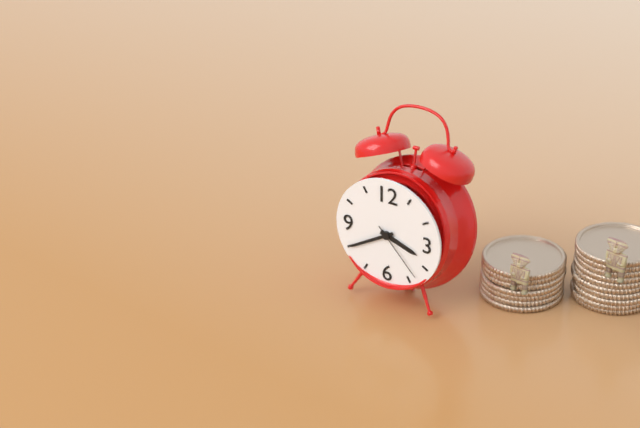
{"hour": 3, "minute": 40, "second": 23}
